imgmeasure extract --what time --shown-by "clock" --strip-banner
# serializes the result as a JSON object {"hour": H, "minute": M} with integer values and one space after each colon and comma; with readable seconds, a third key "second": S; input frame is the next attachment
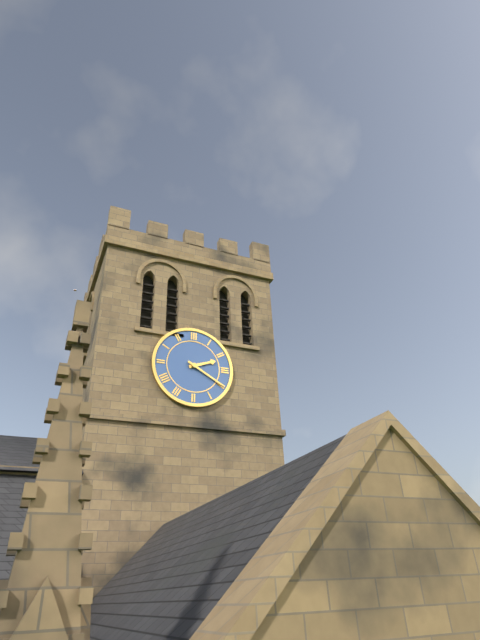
{"hour": 2, "minute": 20}
